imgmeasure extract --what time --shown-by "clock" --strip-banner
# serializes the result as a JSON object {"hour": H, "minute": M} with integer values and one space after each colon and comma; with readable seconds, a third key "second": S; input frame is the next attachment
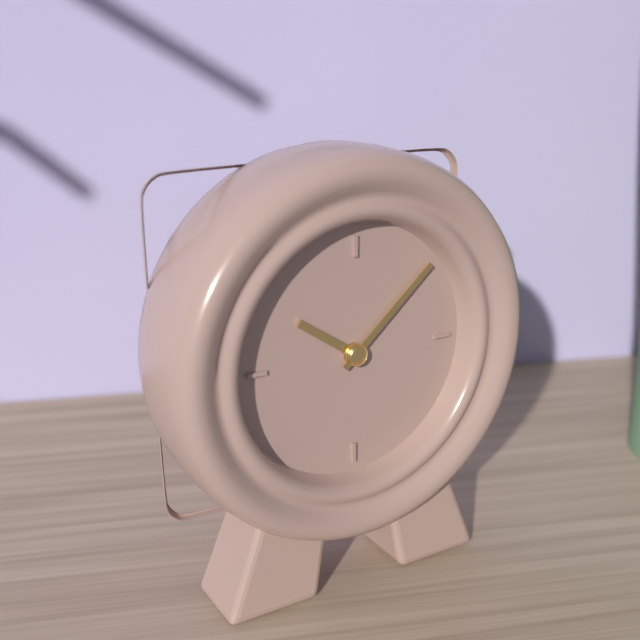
{"hour": 10, "minute": 8}
